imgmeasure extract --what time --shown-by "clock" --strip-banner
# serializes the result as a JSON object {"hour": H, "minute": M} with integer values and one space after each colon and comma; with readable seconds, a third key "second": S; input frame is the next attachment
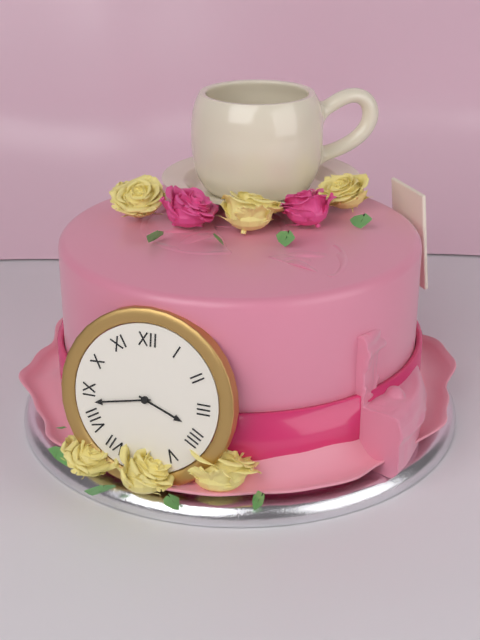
{"hour": 3, "minute": 43}
